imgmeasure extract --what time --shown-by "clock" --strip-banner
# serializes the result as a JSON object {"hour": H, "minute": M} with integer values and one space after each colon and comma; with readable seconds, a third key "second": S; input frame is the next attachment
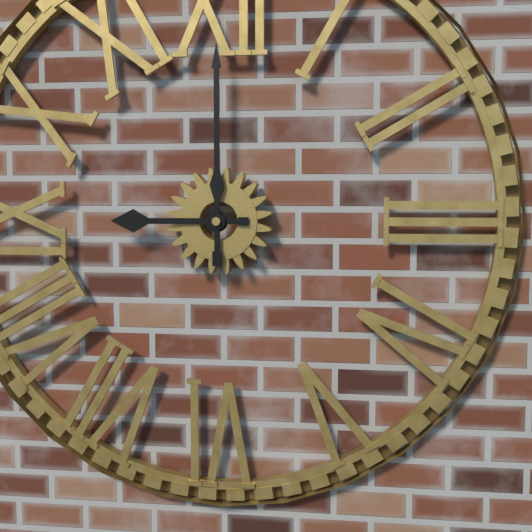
{"hour": 9, "minute": 0}
